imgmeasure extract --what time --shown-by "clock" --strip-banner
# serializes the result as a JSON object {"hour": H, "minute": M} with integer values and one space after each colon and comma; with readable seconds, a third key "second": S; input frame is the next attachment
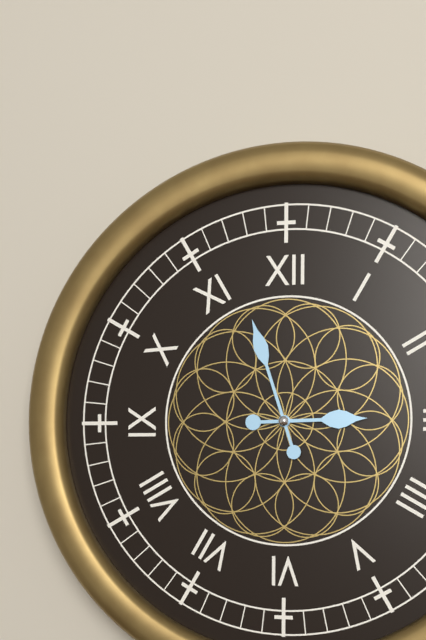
{"hour": 2, "minute": 57}
